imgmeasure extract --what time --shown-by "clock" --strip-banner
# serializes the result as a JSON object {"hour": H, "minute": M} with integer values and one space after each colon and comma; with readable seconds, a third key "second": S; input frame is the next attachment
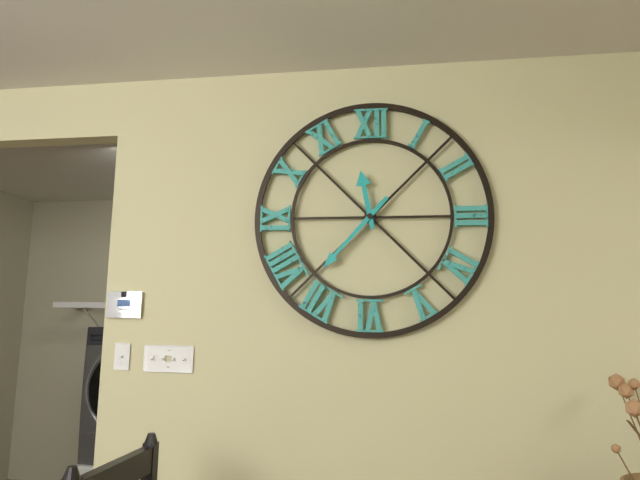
{"hour": 11, "minute": 37}
